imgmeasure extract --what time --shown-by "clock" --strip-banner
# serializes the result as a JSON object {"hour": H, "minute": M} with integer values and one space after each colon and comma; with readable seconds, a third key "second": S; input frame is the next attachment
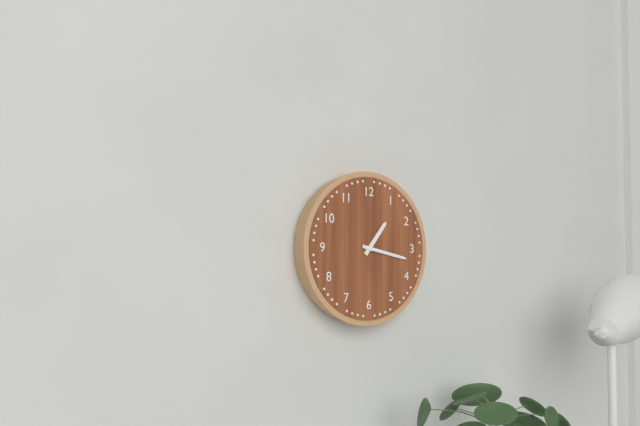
{"hour": 1, "minute": 17}
